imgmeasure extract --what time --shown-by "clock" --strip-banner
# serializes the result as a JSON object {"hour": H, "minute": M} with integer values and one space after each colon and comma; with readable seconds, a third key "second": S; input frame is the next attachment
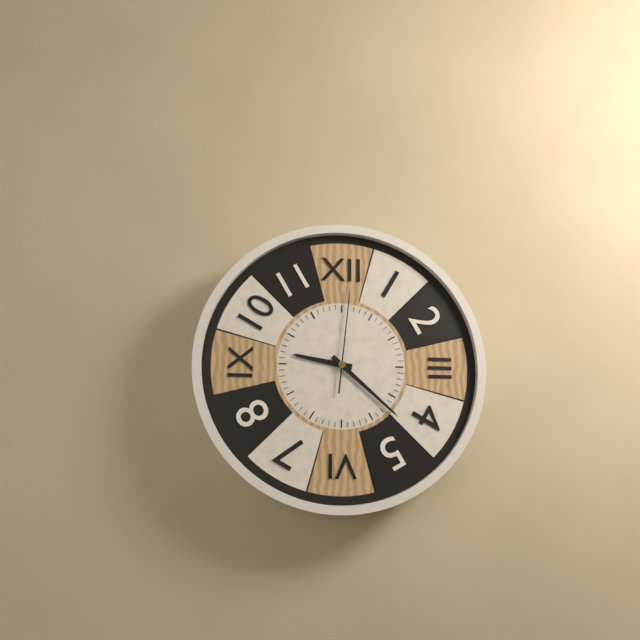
{"hour": 9, "minute": 22, "second": 1}
